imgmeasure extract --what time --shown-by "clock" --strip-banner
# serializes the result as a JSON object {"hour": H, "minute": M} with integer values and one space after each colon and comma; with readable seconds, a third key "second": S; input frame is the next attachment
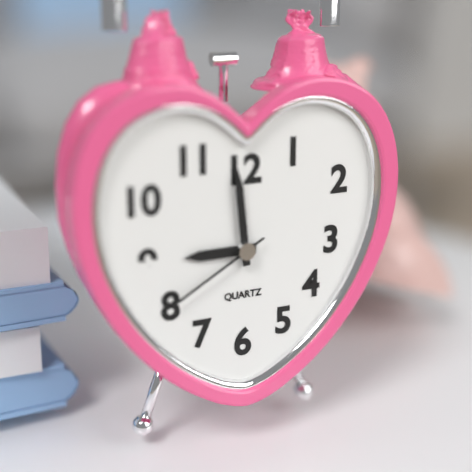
{"hour": 8, "minute": 59, "second": 40}
